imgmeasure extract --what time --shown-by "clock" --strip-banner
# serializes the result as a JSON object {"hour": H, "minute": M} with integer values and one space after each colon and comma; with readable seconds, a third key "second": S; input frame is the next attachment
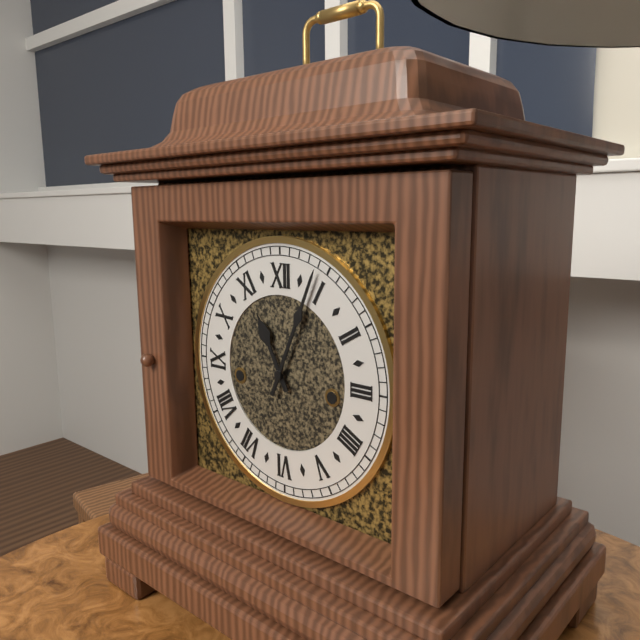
{"hour": 11, "minute": 4}
